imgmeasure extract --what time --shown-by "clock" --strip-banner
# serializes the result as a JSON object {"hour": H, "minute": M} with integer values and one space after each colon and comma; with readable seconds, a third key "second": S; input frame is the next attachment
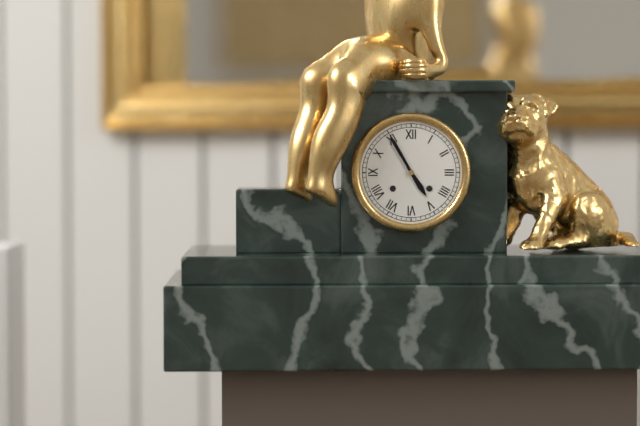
{"hour": 4, "minute": 55}
